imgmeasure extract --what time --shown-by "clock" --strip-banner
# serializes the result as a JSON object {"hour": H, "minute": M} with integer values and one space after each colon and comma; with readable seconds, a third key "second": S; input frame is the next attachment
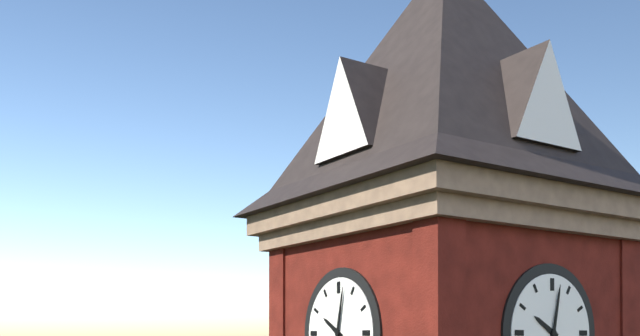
{"hour": 10, "minute": 2}
